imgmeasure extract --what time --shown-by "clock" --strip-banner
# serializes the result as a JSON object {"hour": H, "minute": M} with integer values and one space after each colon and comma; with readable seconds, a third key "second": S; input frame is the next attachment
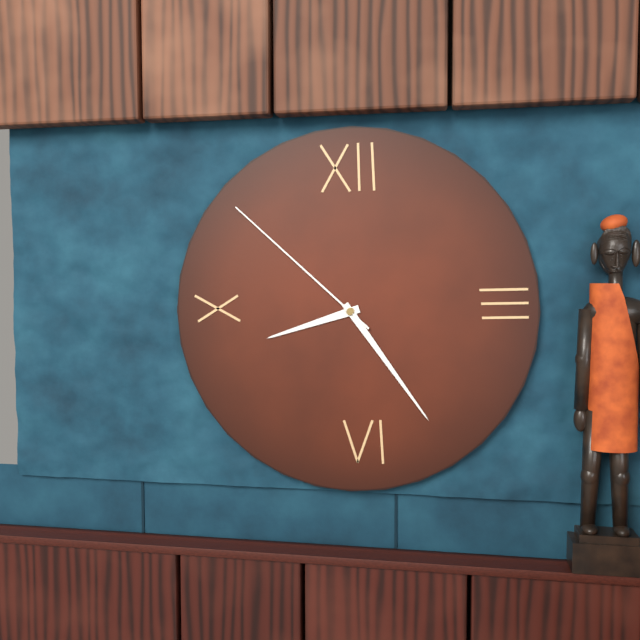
{"hour": 8, "minute": 24, "second": 52}
